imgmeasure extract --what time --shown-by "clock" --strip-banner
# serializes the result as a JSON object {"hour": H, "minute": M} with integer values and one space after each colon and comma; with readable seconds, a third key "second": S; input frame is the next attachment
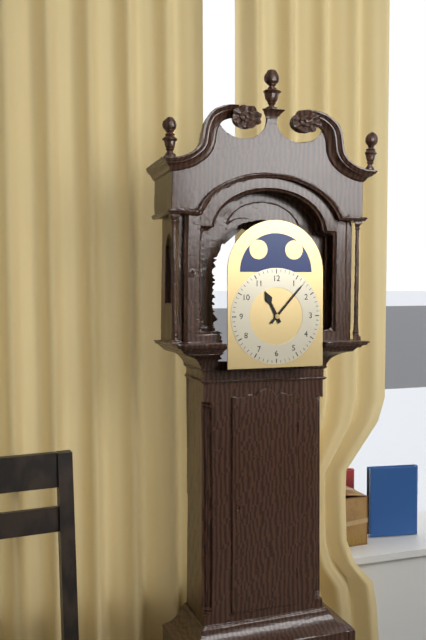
{"hour": 11, "minute": 7}
